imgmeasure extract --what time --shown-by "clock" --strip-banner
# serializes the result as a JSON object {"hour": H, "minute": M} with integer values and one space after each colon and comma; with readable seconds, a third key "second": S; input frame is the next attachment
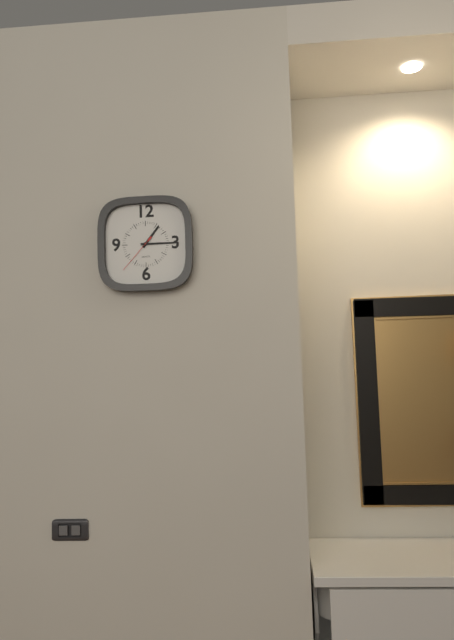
{"hour": 1, "minute": 15}
